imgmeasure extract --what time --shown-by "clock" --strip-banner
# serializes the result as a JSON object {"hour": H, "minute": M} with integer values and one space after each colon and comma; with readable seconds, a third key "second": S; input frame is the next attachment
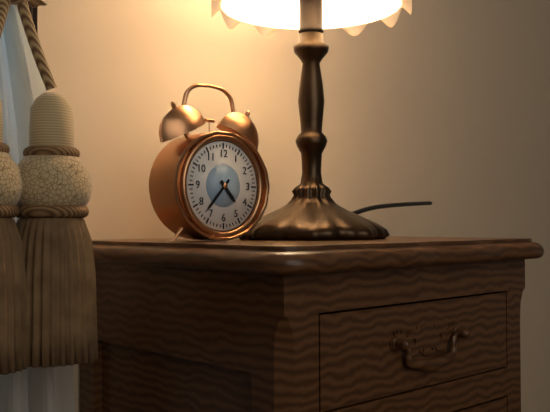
{"hour": 4, "minute": 37}
